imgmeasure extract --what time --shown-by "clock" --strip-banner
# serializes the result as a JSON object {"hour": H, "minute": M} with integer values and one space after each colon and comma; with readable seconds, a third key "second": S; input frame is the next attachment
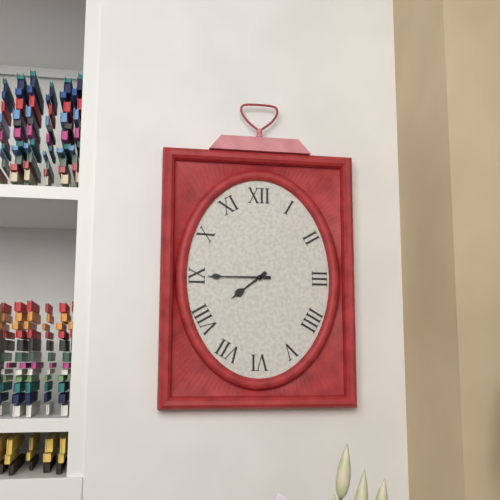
{"hour": 7, "minute": 45}
